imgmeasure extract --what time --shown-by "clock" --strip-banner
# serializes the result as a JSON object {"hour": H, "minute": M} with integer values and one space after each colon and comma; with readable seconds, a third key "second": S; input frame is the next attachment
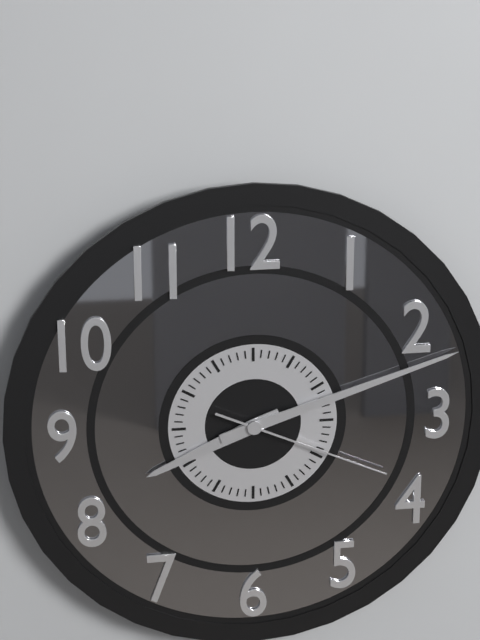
{"hour": 8, "minute": 12, "second": 19}
